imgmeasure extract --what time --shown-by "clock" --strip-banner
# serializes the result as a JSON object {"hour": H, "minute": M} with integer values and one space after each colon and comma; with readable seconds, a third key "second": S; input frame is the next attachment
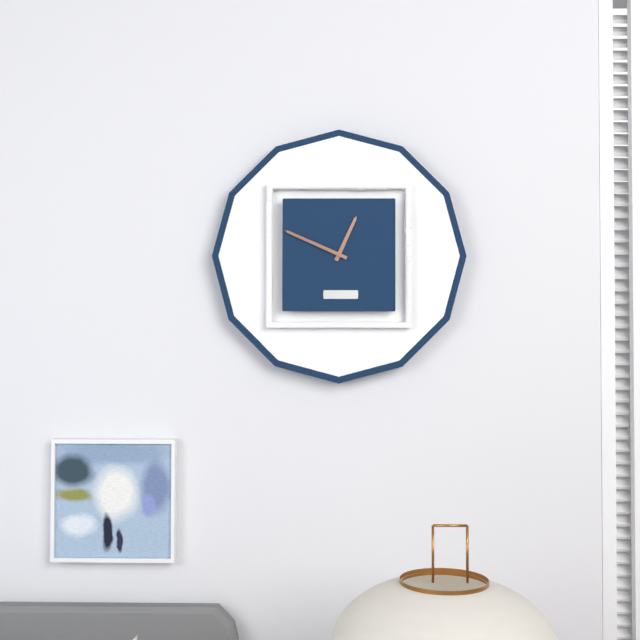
{"hour": 12, "minute": 49}
